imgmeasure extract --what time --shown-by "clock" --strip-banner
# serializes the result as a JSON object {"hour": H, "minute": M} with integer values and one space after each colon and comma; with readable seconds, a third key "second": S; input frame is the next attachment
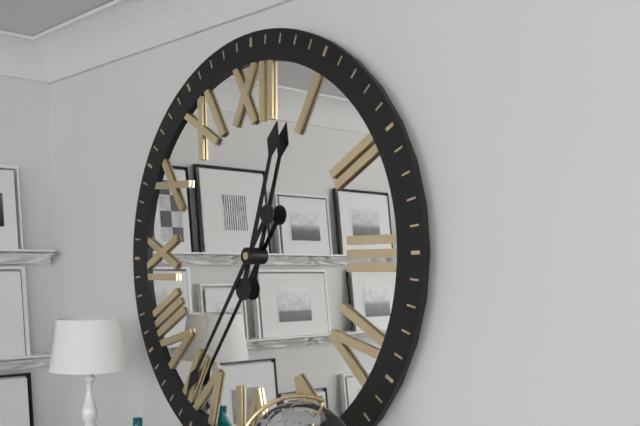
{"hour": 12, "minute": 36}
